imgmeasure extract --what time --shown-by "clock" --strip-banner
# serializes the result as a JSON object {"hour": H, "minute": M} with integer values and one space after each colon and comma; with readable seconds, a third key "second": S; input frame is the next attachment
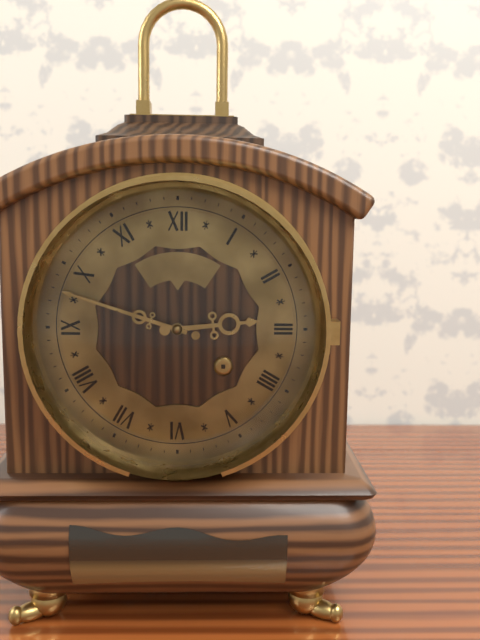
{"hour": 2, "minute": 48}
